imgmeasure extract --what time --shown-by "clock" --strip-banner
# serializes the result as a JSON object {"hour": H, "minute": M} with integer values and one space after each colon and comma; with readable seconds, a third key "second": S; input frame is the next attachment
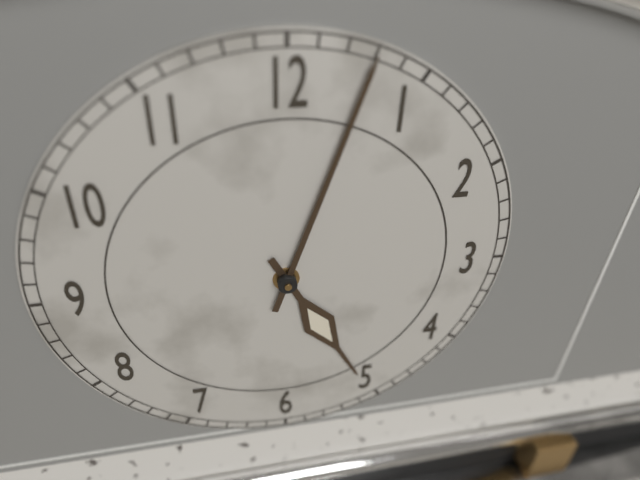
{"hour": 5, "minute": 3}
